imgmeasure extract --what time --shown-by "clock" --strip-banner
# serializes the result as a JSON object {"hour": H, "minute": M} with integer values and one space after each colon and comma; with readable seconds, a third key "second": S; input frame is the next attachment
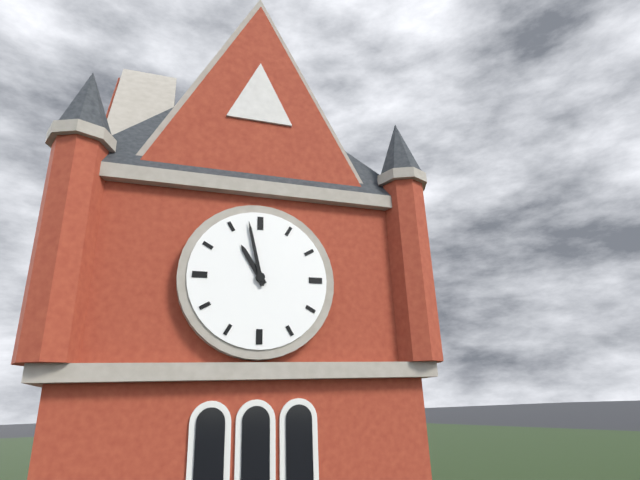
{"hour": 10, "minute": 58}
